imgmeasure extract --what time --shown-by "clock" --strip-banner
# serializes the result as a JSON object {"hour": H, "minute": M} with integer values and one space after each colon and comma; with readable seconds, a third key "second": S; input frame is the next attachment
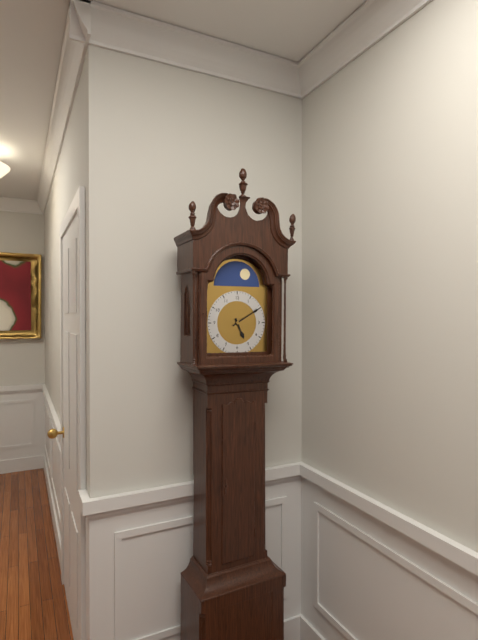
{"hour": 5, "minute": 10}
